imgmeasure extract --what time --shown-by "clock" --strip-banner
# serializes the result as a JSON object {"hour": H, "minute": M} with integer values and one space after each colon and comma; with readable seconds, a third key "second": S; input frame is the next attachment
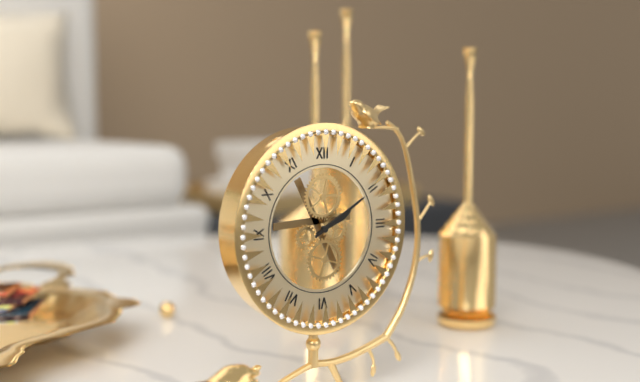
{"hour": 2, "minute": 10}
